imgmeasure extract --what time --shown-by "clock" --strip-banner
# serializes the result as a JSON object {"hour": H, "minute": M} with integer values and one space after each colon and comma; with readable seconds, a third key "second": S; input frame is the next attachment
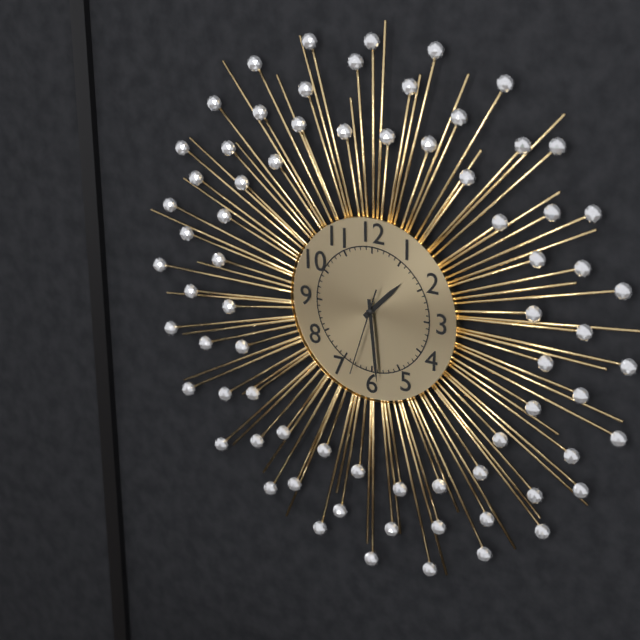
{"hour": 1, "minute": 29, "second": 33}
